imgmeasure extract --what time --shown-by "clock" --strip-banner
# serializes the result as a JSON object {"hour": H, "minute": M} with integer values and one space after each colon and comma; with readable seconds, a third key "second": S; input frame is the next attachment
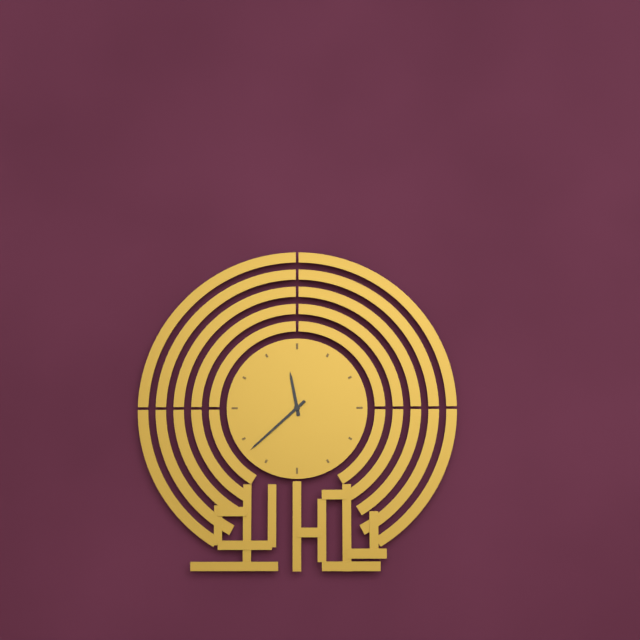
{"hour": 11, "minute": 38}
